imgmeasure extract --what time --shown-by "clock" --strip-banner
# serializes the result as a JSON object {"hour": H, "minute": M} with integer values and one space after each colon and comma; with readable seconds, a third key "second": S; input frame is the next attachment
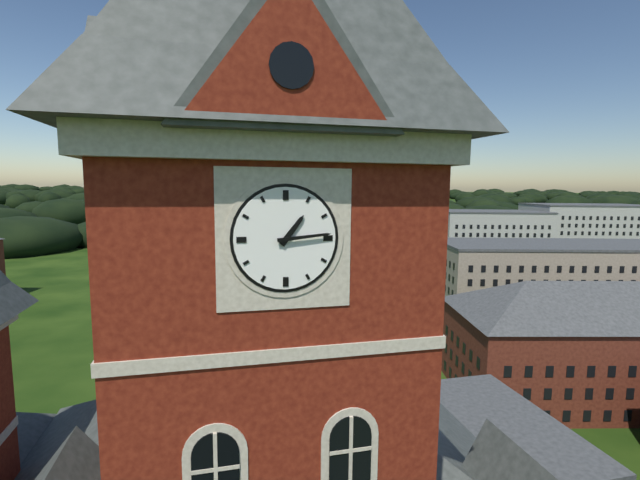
{"hour": 1, "minute": 14}
